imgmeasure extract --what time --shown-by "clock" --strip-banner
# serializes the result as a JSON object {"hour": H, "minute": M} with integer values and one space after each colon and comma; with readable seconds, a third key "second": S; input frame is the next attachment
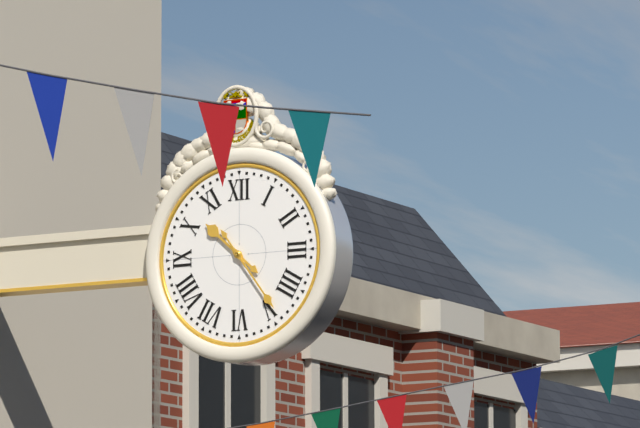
{"hour": 10, "minute": 24}
